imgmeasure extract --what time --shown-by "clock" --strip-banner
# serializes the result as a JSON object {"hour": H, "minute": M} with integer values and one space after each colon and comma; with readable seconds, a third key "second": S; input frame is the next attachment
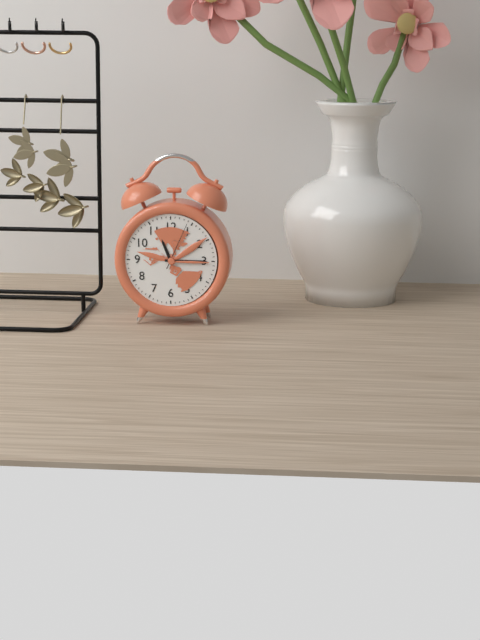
{"hour": 11, "minute": 15, "second": 4}
